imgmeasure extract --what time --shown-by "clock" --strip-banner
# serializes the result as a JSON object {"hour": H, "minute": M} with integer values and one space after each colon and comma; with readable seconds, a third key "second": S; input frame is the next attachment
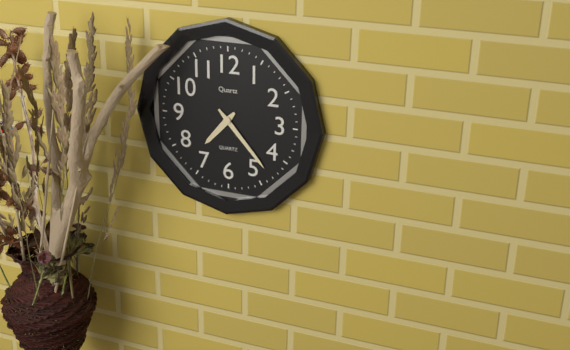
{"hour": 7, "minute": 23}
